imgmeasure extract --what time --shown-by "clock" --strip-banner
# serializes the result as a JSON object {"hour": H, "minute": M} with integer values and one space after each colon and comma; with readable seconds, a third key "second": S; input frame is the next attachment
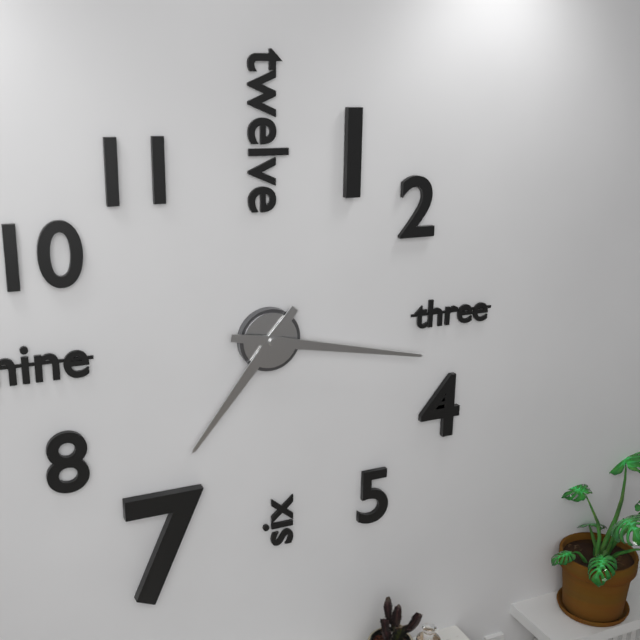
{"hour": 7, "minute": 17}
